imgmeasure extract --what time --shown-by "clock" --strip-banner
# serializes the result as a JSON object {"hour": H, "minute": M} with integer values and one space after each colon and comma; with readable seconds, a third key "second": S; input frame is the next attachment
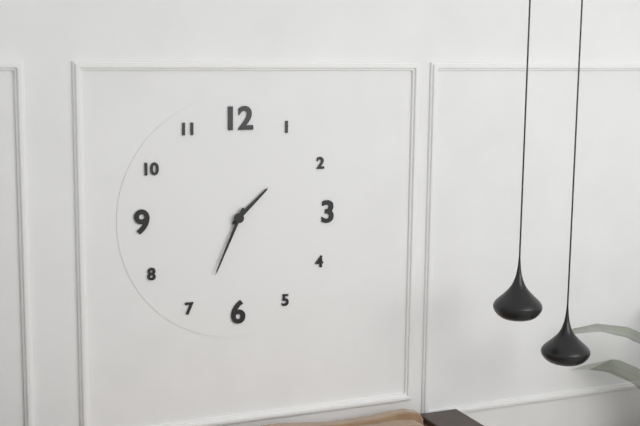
{"hour": 1, "minute": 34}
